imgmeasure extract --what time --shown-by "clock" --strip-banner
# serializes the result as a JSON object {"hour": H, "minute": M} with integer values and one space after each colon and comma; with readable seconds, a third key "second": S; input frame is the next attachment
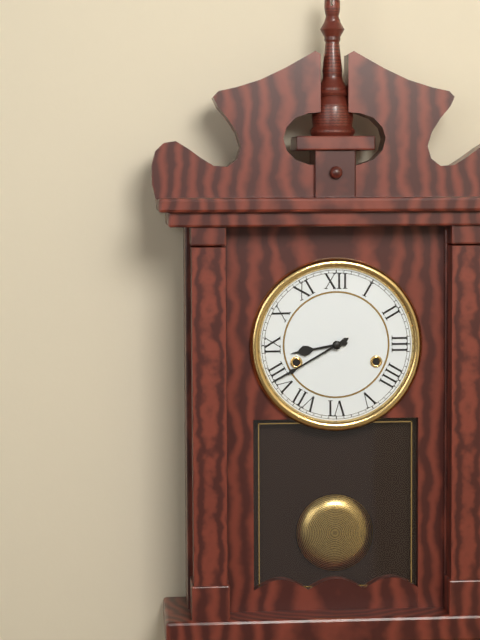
{"hour": 8, "minute": 40}
